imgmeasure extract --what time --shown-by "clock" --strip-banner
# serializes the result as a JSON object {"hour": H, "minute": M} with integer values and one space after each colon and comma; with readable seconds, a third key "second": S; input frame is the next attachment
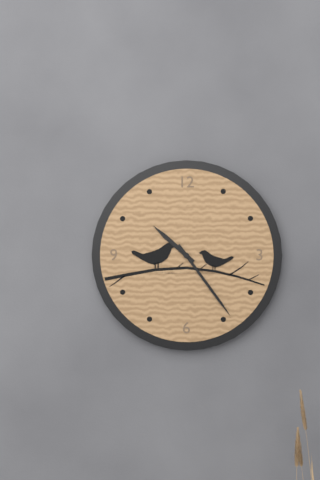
{"hour": 10, "minute": 24}
